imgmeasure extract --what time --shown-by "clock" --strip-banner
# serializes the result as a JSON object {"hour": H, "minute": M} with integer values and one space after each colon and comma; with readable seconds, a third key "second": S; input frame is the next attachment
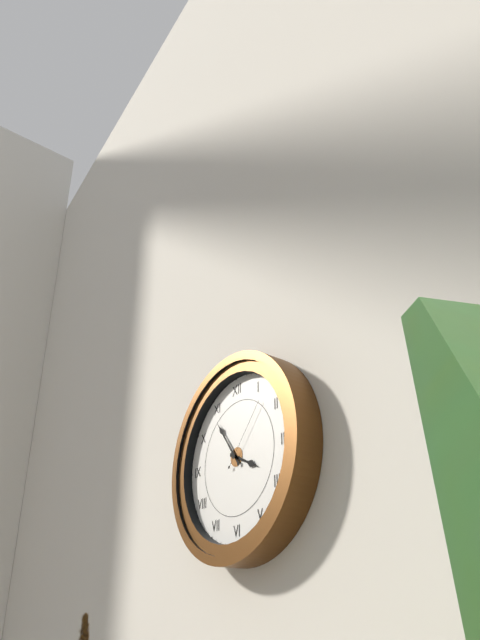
{"hour": 3, "minute": 54, "second": 7}
